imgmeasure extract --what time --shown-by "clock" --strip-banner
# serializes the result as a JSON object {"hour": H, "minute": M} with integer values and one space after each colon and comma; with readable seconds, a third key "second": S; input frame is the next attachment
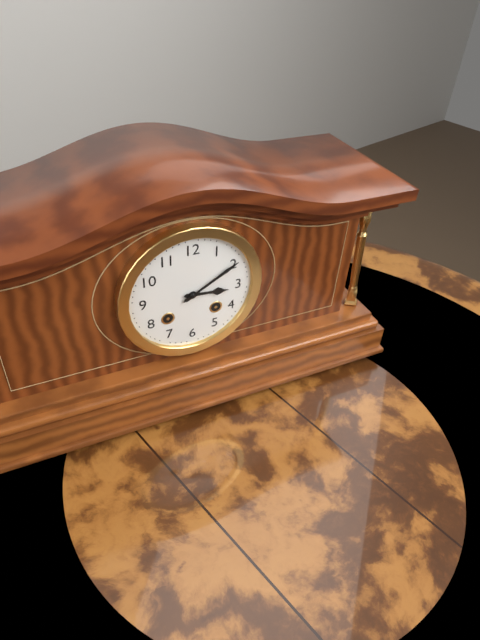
{"hour": 3, "minute": 10}
